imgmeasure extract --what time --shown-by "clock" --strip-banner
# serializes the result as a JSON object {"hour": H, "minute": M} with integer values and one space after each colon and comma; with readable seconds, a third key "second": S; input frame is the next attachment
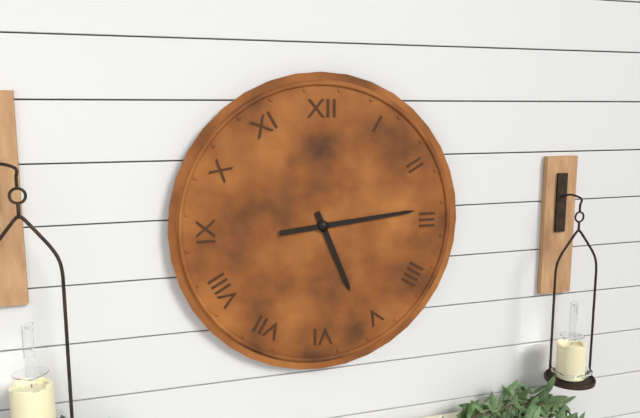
{"hour": 5, "minute": 14}
